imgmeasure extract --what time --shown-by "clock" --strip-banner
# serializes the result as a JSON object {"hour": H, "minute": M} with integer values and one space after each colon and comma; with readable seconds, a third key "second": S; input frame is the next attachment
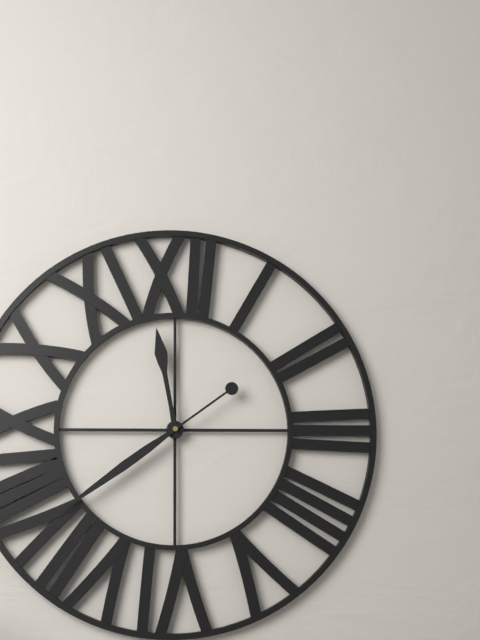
{"hour": 11, "minute": 39}
